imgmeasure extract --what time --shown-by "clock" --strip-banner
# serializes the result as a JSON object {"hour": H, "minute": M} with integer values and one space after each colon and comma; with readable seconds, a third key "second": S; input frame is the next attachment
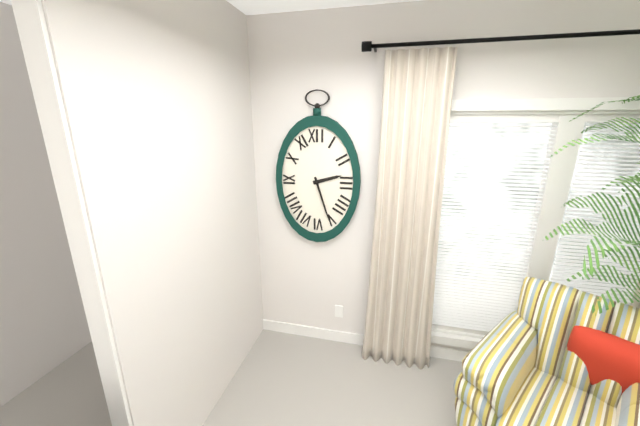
{"hour": 2, "minute": 27}
